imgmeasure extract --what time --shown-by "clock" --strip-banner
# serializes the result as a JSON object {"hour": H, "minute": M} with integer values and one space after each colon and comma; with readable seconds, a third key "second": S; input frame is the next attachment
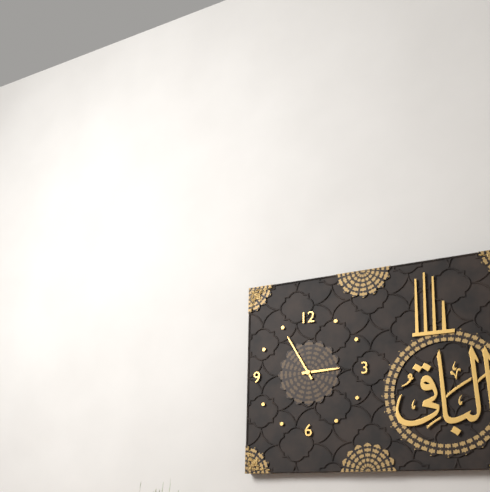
{"hour": 2, "minute": 55}
